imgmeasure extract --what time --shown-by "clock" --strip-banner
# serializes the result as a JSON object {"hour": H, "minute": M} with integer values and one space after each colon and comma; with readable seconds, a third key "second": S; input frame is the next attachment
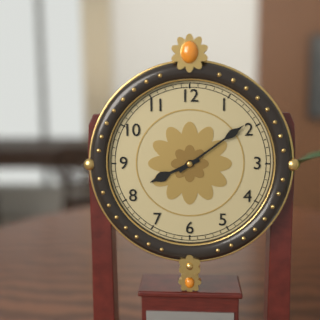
{"hour": 8, "minute": 9}
